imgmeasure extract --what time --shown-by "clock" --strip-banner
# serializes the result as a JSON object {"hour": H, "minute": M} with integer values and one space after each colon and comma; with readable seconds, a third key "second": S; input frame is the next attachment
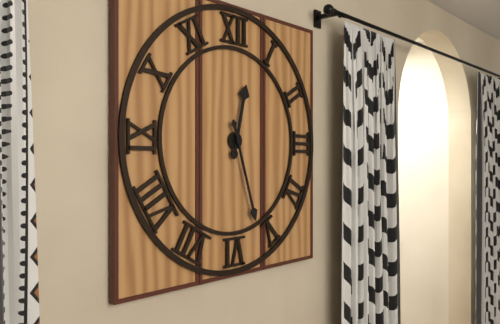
{"hour": 12, "minute": 27}
